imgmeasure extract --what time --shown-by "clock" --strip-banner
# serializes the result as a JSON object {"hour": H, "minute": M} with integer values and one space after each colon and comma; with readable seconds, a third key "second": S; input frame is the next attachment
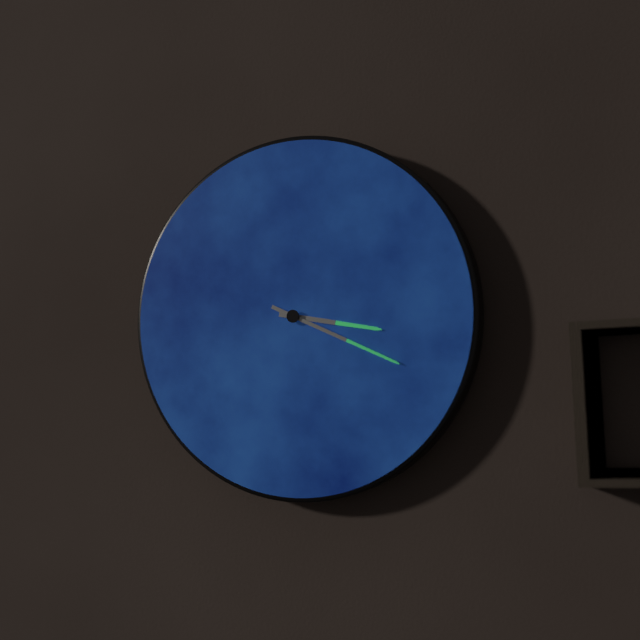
{"hour": 3, "minute": 19}
